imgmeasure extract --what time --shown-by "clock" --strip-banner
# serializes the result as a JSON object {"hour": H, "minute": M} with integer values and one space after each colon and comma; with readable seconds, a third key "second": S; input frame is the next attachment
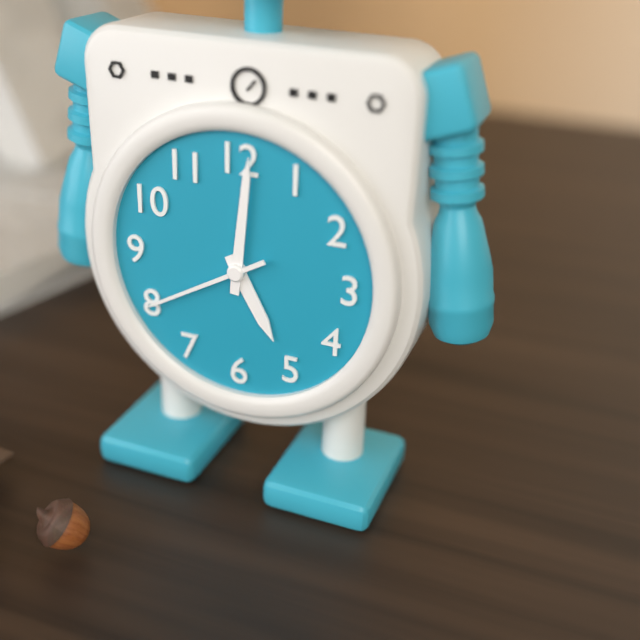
{"hour": 5, "minute": 1, "second": 40}
